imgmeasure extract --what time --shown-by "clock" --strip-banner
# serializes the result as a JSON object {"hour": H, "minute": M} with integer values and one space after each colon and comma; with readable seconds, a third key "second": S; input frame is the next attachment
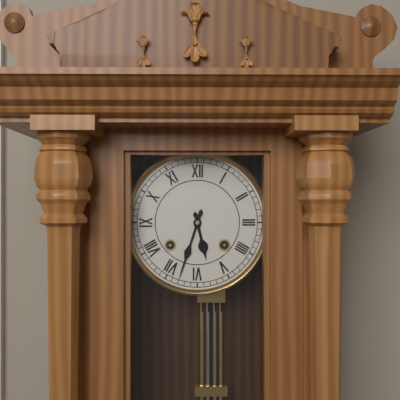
{"hour": 5, "minute": 33}
